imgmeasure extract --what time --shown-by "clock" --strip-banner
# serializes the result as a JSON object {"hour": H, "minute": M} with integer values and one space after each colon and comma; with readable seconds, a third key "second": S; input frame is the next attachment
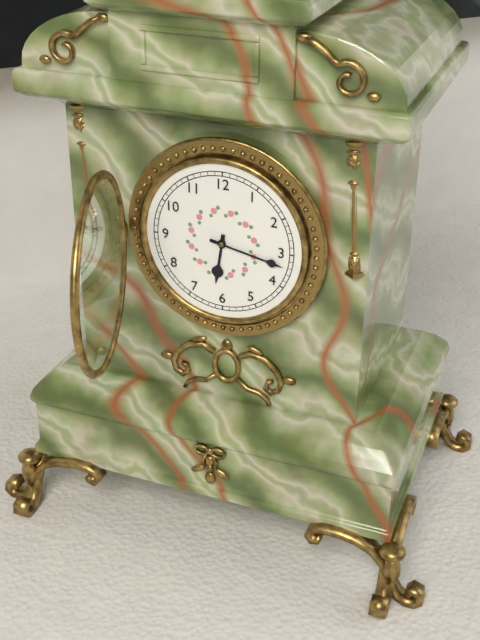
{"hour": 6, "minute": 17}
